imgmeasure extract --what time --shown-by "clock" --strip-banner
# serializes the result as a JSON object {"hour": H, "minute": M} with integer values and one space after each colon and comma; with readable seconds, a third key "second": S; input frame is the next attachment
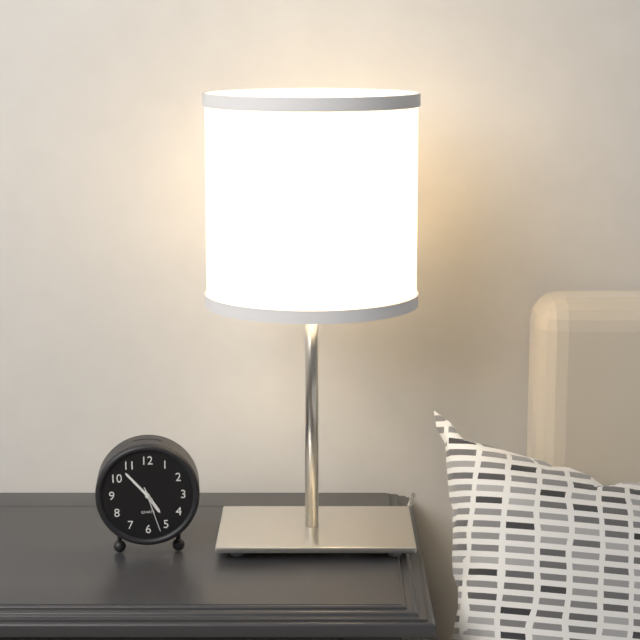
{"hour": 4, "minute": 53}
